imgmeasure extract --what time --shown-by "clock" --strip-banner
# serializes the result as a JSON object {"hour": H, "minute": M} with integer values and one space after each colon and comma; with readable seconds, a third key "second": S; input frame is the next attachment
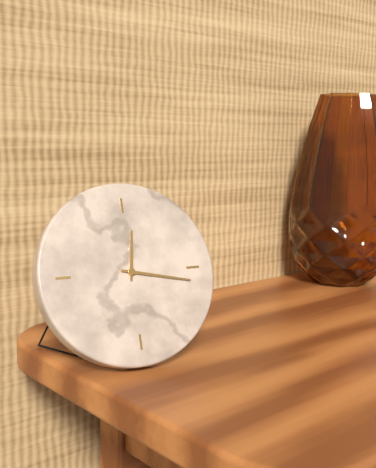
{"hour": 12, "minute": 17}
